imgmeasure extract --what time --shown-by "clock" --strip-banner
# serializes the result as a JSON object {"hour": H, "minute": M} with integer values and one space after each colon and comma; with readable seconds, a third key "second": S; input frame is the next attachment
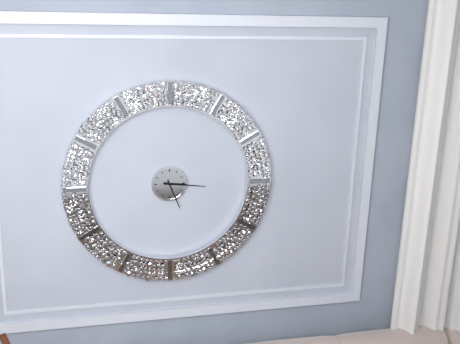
{"hour": 5, "minute": 16}
